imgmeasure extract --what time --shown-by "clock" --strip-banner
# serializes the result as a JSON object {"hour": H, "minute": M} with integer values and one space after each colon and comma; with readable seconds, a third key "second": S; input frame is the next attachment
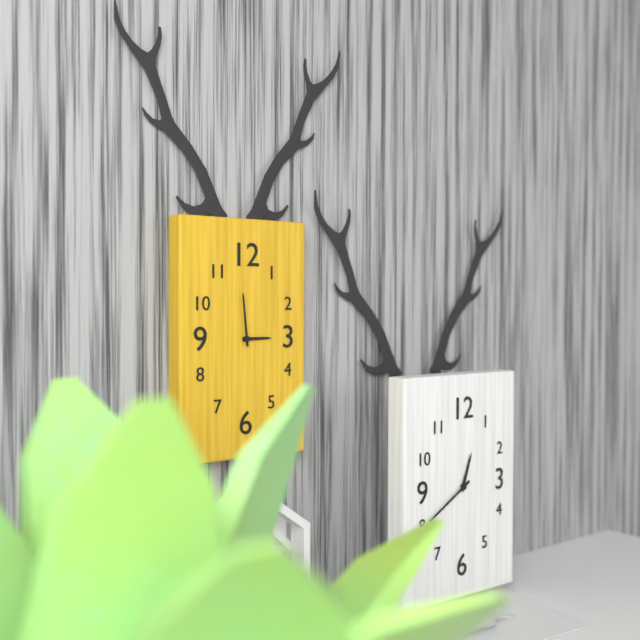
{"hour": 2, "minute": 59}
